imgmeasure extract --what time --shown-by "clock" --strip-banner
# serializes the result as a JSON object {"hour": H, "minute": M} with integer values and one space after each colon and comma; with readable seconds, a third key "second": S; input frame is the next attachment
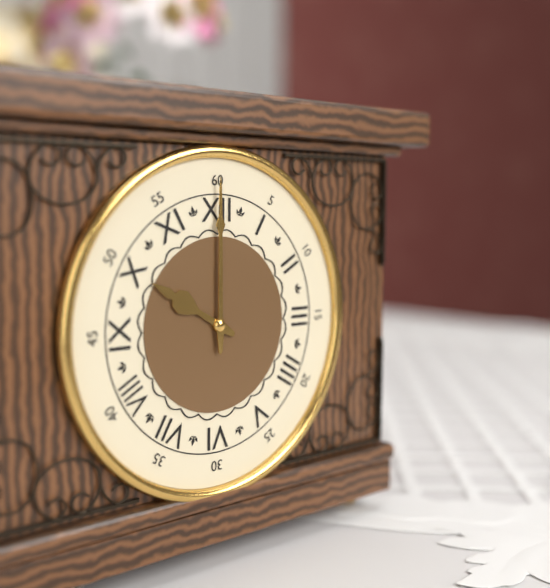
{"hour": 10, "minute": 0}
